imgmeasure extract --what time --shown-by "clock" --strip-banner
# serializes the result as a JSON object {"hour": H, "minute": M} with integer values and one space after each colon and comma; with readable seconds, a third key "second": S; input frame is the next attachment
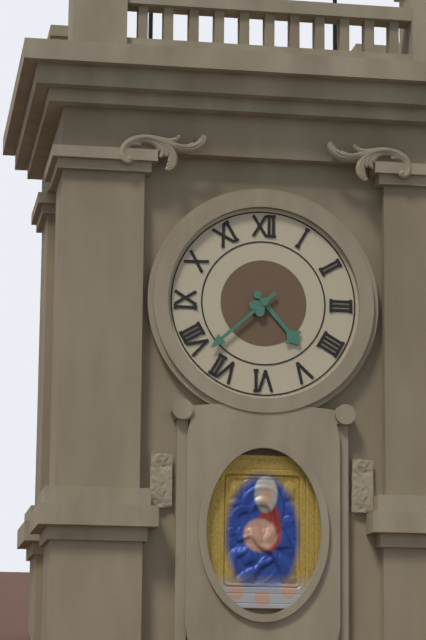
{"hour": 4, "minute": 38}
